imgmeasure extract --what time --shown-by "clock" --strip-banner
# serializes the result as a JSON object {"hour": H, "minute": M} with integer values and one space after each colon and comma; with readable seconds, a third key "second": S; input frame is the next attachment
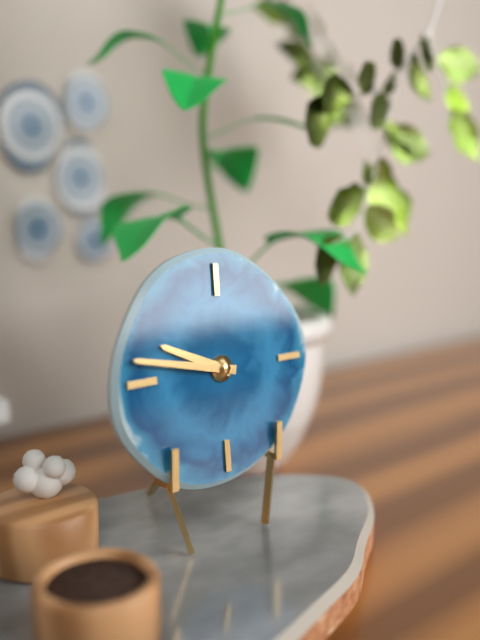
{"hour": 9, "minute": 47}
